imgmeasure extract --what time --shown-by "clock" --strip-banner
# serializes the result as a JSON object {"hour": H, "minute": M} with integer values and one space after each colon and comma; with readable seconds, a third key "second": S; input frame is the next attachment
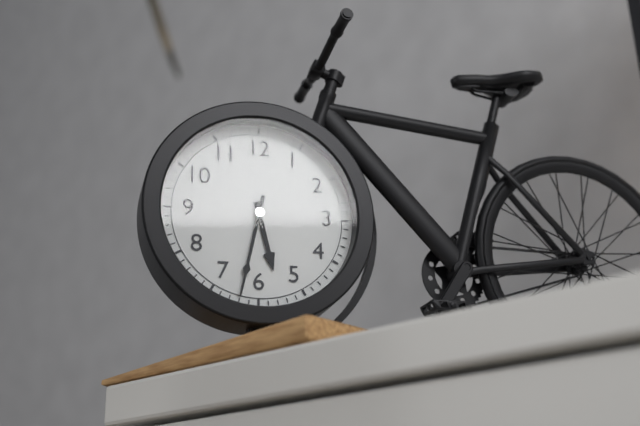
{"hour": 5, "minute": 32}
